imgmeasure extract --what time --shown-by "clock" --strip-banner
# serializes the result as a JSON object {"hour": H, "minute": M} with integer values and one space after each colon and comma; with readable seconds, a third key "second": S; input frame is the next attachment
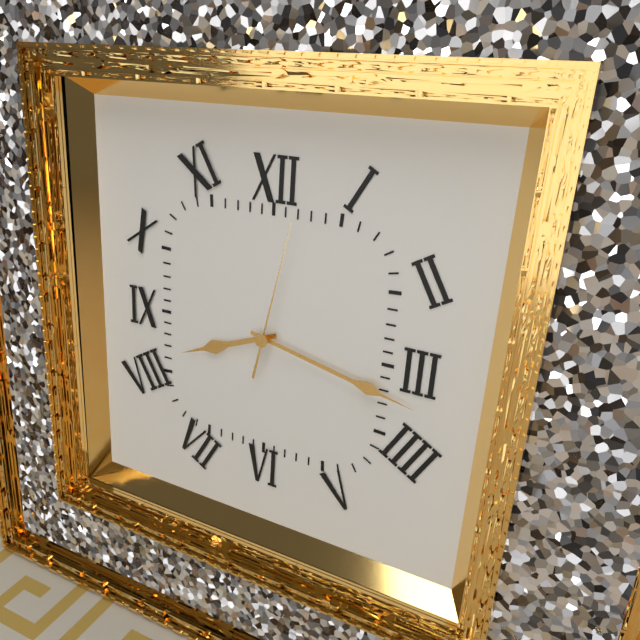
{"hour": 8, "minute": 17, "second": 2}
